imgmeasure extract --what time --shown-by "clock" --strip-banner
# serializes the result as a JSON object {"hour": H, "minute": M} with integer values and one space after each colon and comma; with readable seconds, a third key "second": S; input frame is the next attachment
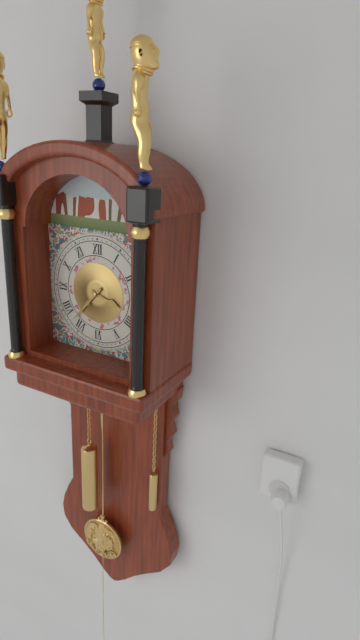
{"hour": 3, "minute": 37}
